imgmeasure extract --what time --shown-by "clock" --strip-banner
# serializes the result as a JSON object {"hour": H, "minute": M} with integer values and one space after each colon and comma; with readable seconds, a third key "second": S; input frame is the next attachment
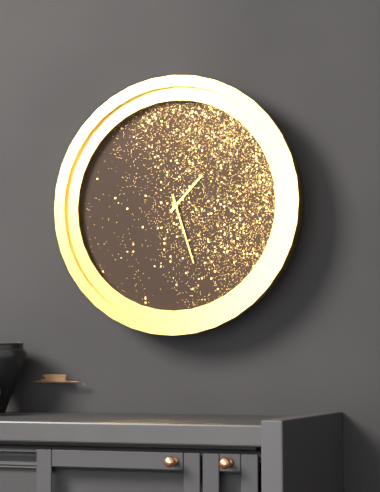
{"hour": 1, "minute": 27}
